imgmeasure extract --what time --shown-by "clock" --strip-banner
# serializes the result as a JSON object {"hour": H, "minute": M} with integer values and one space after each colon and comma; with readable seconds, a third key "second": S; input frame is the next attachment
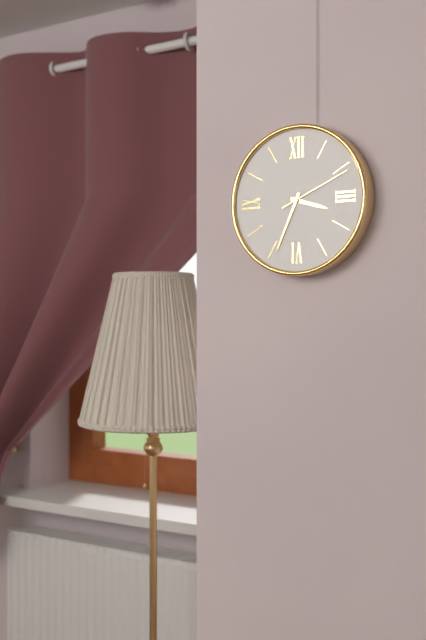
{"hour": 3, "minute": 34, "second": 11}
